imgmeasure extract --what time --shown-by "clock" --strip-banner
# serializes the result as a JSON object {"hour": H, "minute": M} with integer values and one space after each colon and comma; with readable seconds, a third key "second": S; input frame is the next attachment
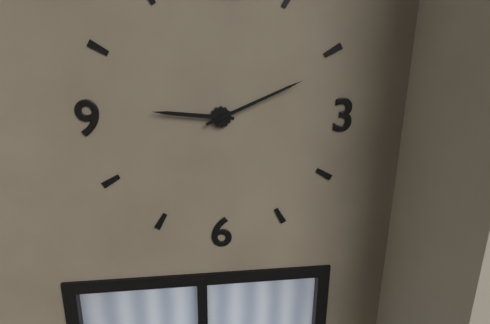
{"hour": 9, "minute": 11}
